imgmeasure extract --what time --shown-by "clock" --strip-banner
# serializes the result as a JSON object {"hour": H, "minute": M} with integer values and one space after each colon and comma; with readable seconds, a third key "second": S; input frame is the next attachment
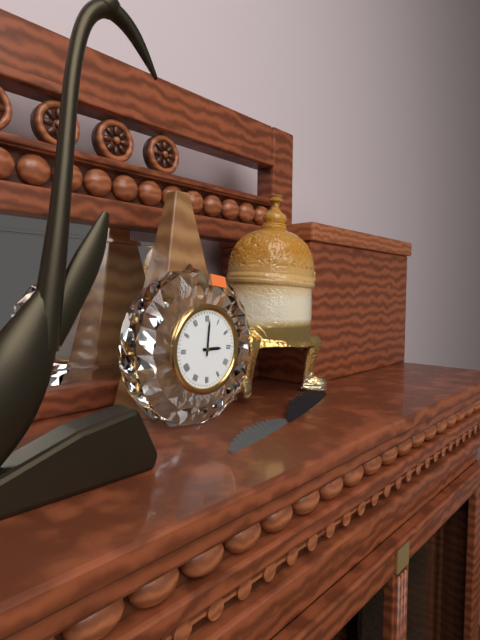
{"hour": 3, "minute": 1}
